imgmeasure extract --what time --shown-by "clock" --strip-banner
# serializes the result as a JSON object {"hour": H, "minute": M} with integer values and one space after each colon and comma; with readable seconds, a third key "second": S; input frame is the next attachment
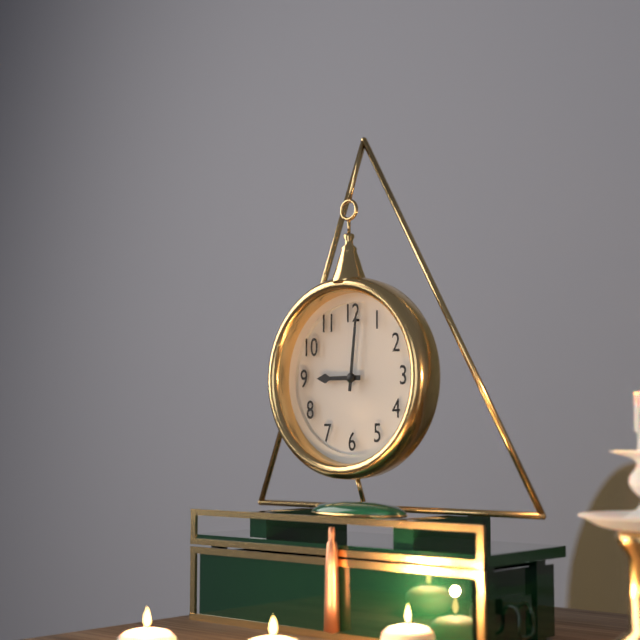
{"hour": 9, "minute": 1}
